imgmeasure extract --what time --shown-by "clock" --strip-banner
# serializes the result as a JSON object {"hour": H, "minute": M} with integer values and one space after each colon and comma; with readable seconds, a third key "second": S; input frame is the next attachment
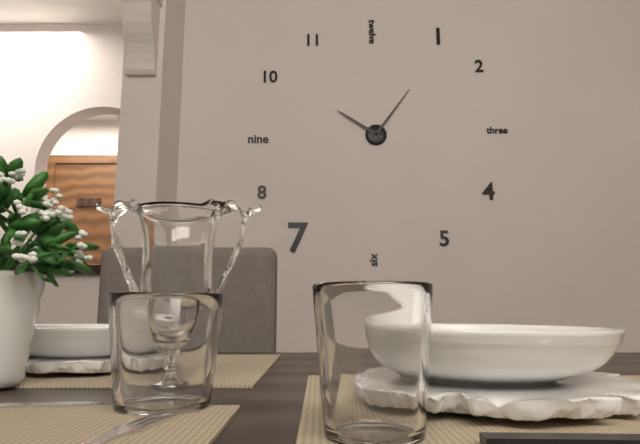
{"hour": 10, "minute": 6}
